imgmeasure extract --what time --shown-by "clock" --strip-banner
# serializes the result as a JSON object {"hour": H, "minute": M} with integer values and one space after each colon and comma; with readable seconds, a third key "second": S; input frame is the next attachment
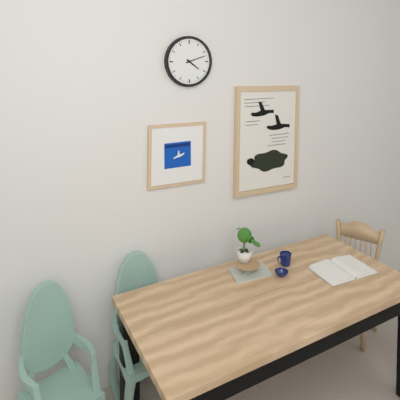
{"hour": 4, "minute": 12}
